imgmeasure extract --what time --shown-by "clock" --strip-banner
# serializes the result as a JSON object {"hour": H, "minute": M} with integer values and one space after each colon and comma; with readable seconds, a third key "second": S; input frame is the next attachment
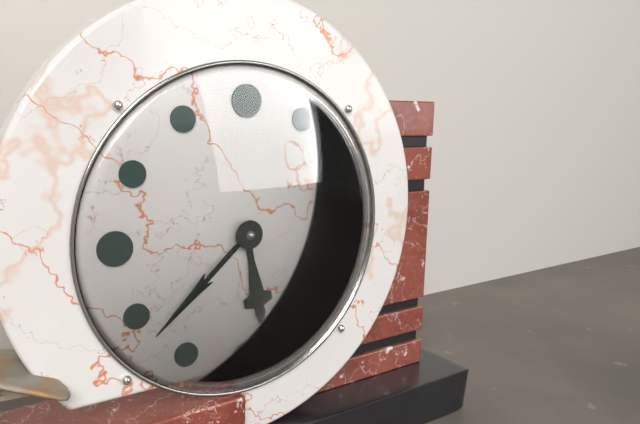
{"hour": 5, "minute": 38}
